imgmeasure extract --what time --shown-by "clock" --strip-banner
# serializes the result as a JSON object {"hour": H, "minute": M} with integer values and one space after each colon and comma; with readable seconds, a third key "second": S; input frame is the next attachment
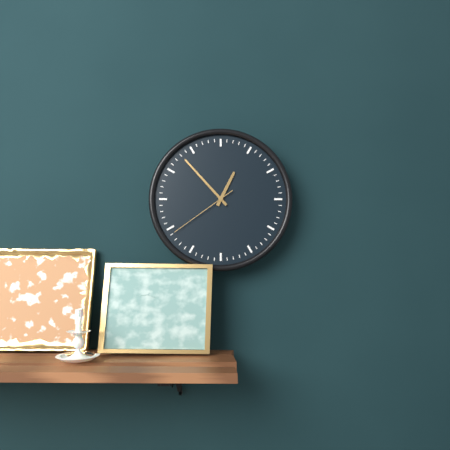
{"hour": 12, "minute": 53, "second": 39}
